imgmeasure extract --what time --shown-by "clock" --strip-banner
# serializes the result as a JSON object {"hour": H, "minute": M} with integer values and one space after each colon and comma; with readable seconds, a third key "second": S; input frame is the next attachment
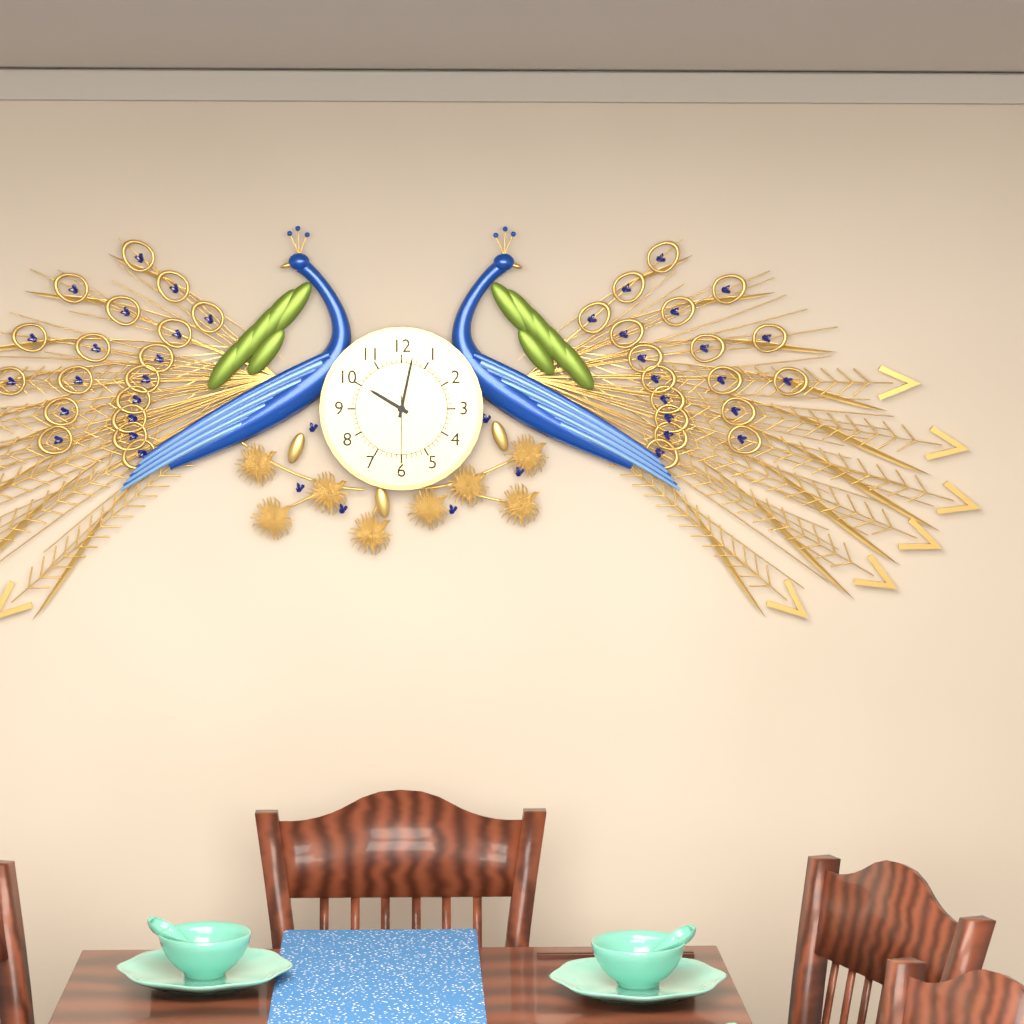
{"hour": 10, "minute": 2, "second": 30}
